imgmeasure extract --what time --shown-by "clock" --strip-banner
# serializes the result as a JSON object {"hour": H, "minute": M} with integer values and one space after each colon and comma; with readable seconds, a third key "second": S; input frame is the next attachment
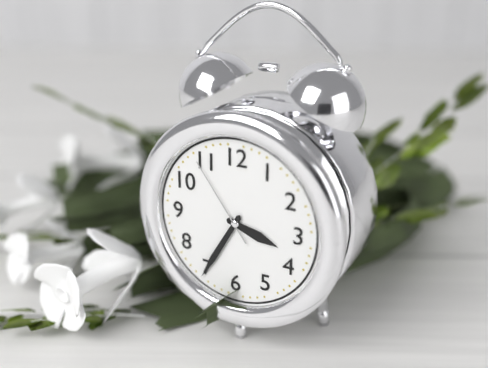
{"hour": 3, "minute": 35, "second": 54}
